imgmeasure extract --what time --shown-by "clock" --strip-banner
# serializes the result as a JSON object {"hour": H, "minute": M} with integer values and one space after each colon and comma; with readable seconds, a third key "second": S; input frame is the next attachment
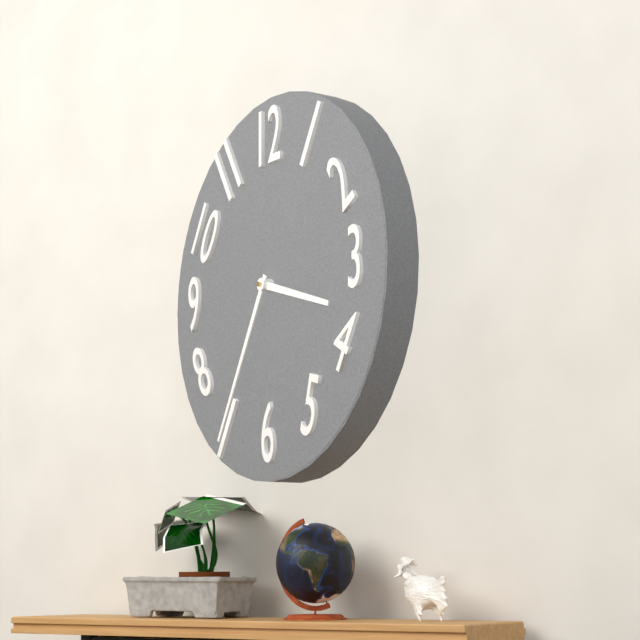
{"hour": 3, "minute": 35}
